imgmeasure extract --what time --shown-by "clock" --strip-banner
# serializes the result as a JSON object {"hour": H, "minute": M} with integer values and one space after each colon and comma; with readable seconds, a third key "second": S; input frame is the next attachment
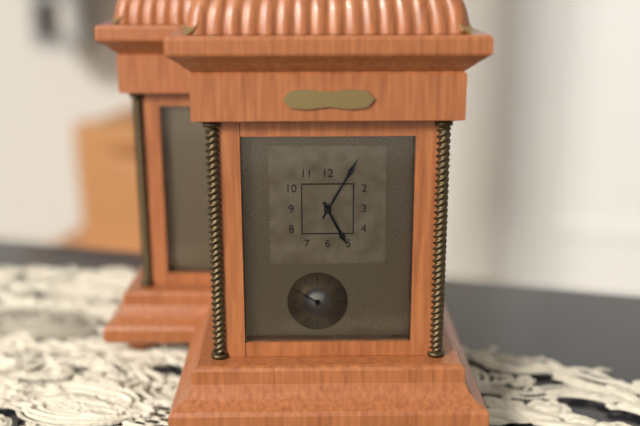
{"hour": 5, "minute": 5}
